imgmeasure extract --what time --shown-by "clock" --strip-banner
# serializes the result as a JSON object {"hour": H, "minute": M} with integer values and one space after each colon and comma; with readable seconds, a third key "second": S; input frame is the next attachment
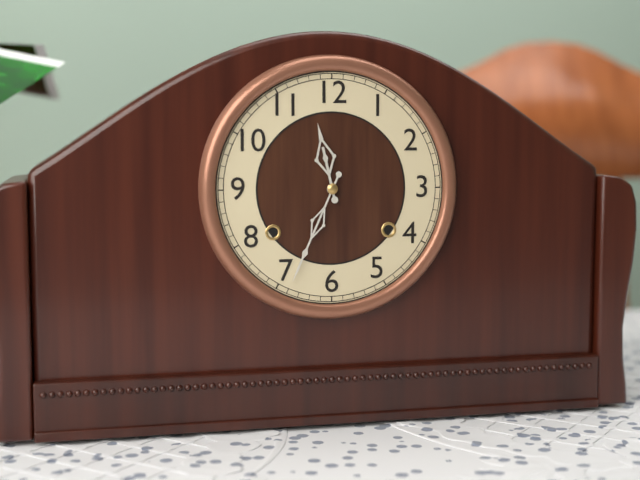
{"hour": 11, "minute": 34}
